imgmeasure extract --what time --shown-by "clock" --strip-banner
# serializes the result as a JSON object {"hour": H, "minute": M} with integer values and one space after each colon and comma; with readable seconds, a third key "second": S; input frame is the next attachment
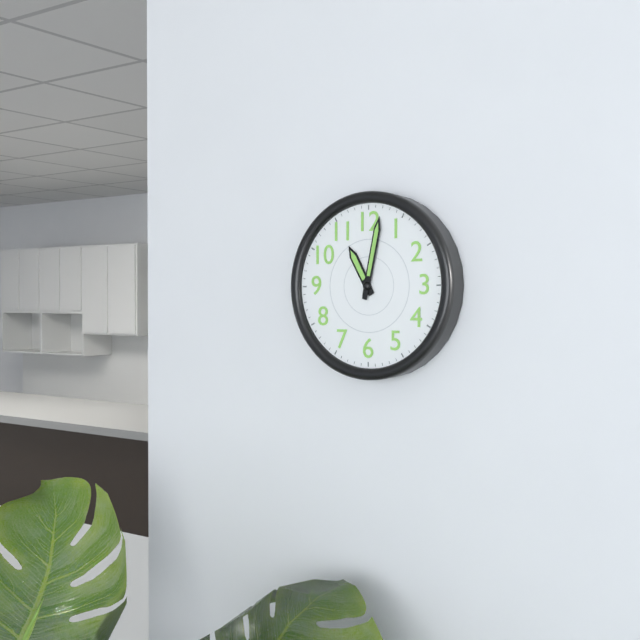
{"hour": 11, "minute": 2}
